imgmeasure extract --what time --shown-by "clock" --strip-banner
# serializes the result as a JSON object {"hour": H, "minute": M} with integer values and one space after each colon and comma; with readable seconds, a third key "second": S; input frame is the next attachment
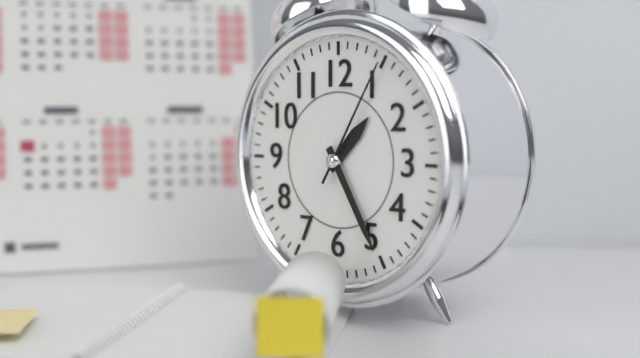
{"hour": 1, "minute": 25, "second": 5}
